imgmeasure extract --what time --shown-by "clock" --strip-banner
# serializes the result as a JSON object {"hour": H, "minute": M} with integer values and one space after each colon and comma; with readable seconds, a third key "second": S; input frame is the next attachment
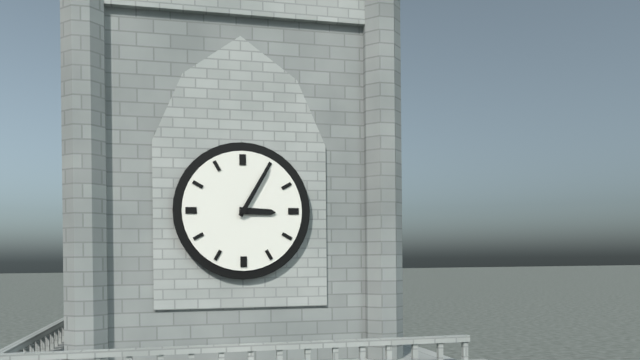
{"hour": 3, "minute": 5}
